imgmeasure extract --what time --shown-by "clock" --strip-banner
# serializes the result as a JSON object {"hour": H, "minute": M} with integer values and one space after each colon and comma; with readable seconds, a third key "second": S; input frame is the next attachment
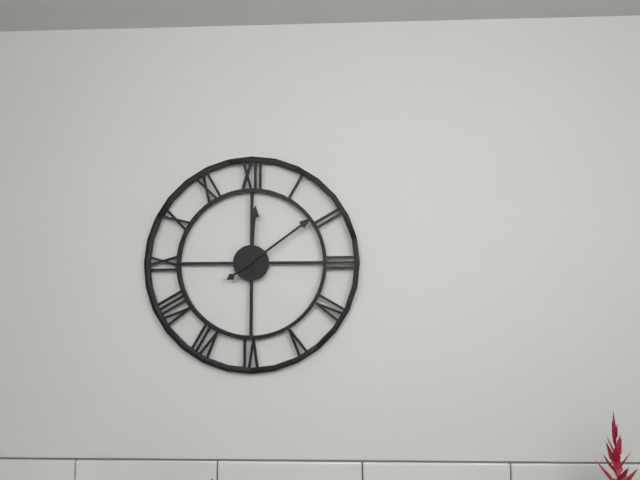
{"hour": 12, "minute": 9}
